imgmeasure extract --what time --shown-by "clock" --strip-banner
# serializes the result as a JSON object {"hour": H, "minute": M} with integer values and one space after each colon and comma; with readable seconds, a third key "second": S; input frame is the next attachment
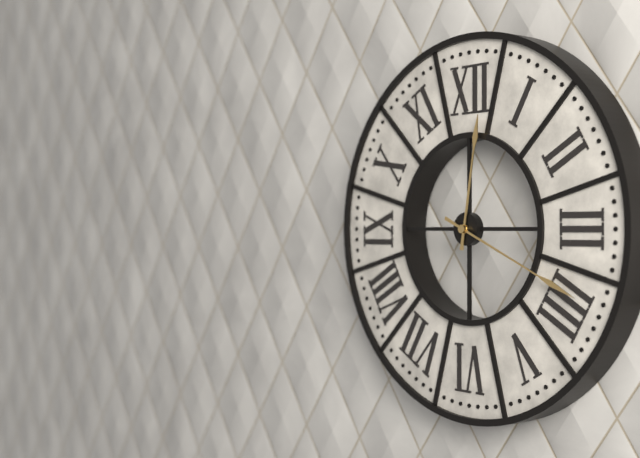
{"hour": 12, "minute": 19}
